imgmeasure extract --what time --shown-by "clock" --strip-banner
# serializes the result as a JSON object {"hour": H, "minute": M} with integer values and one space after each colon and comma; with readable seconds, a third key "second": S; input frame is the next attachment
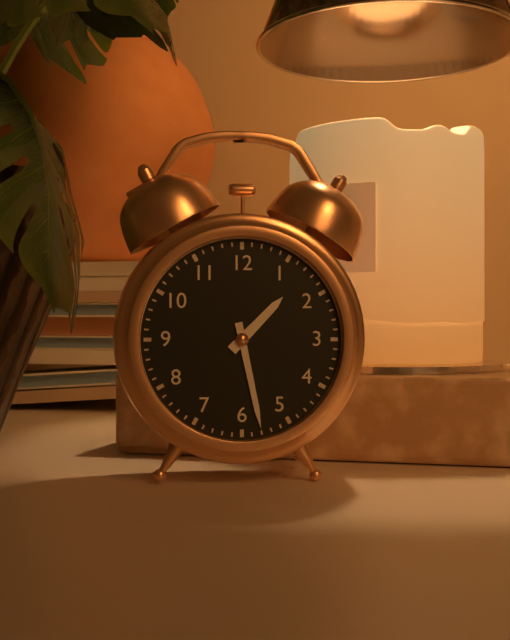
{"hour": 1, "minute": 28}
